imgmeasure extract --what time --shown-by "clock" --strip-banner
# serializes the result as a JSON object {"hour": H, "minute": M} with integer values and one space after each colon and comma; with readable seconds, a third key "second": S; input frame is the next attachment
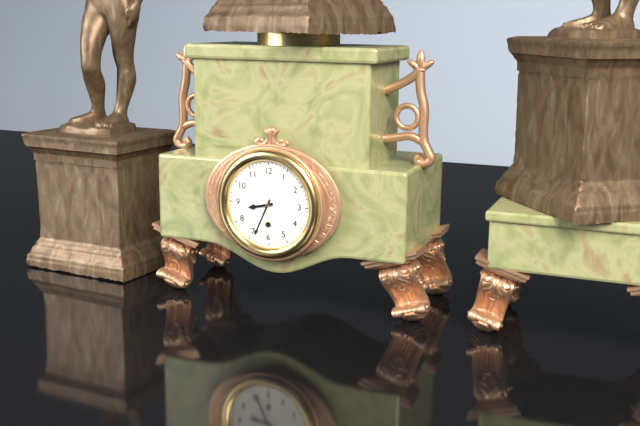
{"hour": 8, "minute": 34}
